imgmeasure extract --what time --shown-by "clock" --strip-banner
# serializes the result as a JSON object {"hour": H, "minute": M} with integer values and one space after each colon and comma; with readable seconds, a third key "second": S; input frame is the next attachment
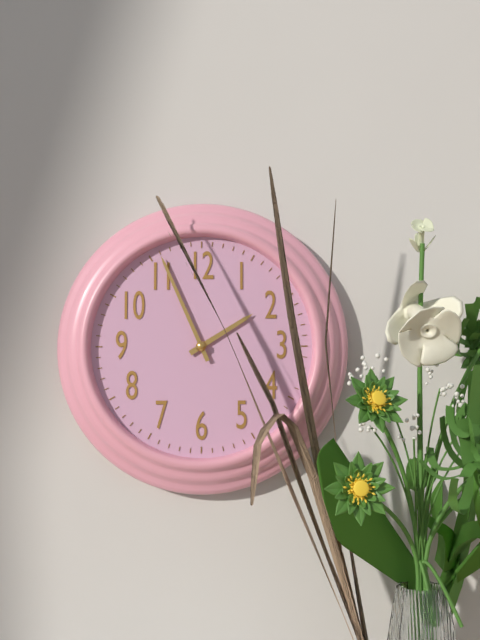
{"hour": 1, "minute": 56}
